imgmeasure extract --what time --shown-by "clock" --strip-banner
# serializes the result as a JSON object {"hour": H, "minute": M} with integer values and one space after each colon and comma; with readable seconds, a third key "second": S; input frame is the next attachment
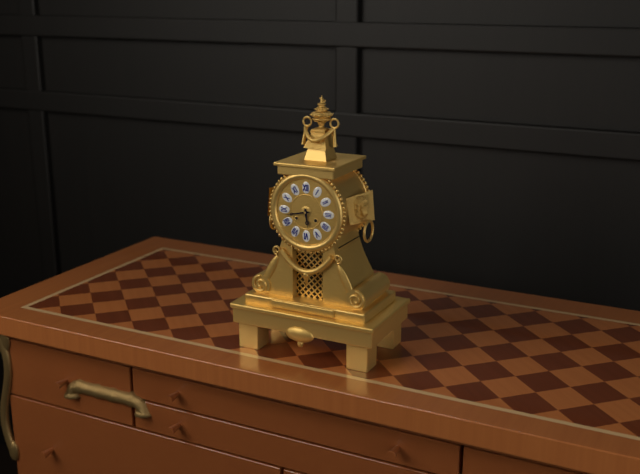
{"hour": 5, "minute": 43}
